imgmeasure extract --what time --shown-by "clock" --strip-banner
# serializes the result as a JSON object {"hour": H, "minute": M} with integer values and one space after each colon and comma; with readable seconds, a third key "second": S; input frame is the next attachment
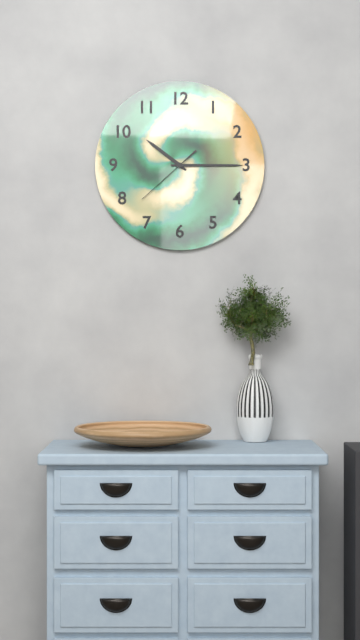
{"hour": 10, "minute": 15, "second": 38}
